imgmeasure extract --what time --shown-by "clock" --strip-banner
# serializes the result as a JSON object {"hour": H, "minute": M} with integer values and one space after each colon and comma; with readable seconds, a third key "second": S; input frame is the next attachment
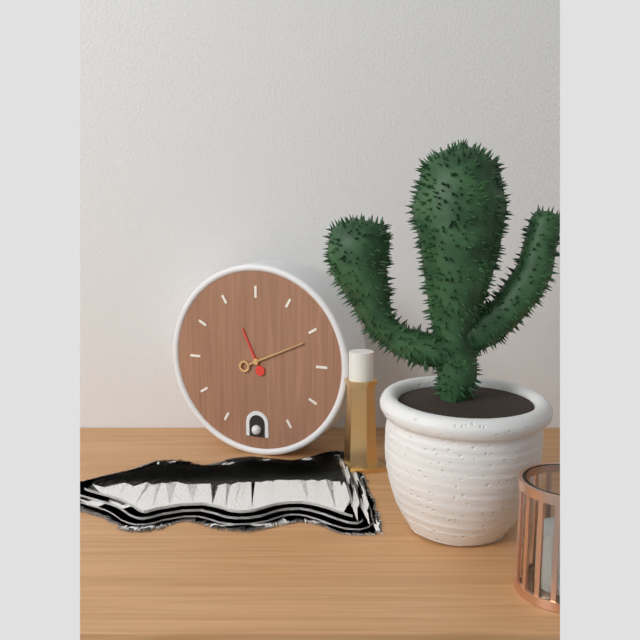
{"hour": 11, "minute": 11}
